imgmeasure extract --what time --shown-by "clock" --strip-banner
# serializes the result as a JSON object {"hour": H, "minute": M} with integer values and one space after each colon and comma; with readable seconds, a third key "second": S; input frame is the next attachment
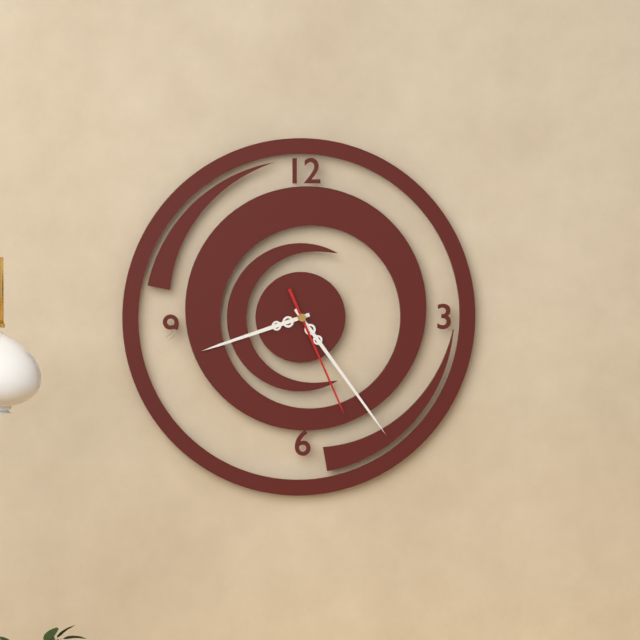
{"hour": 8, "minute": 24, "second": 26}
